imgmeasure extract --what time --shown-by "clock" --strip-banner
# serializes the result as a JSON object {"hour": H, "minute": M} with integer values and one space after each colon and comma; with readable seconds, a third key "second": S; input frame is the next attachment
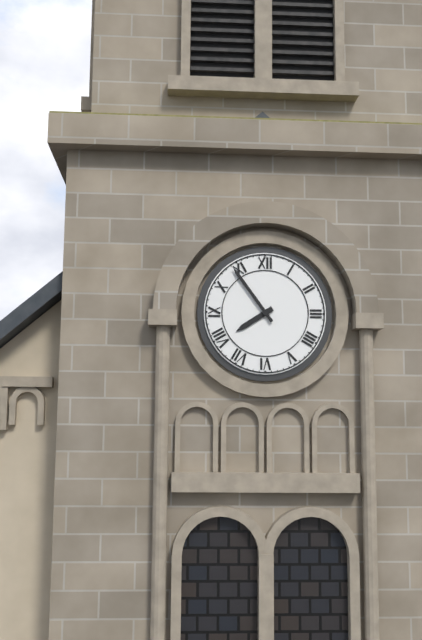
{"hour": 7, "minute": 54}
